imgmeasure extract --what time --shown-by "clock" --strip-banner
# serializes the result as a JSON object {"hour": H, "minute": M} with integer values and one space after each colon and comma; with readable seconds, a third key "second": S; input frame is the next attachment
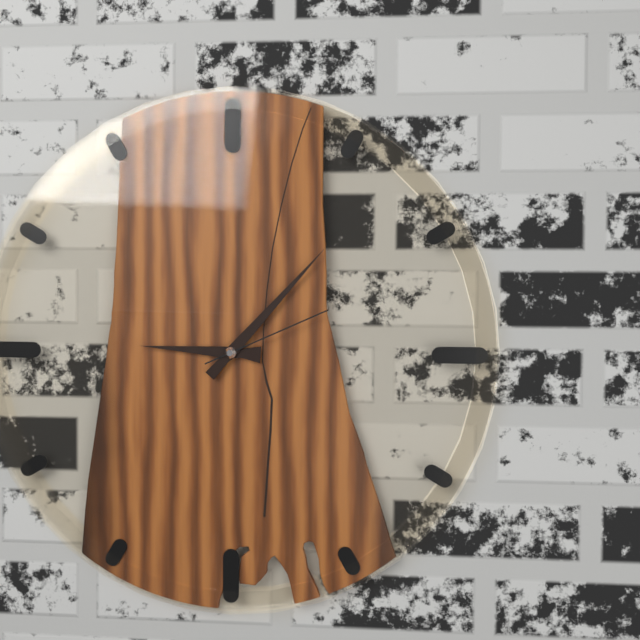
{"hour": 9, "minute": 7, "second": 11}
